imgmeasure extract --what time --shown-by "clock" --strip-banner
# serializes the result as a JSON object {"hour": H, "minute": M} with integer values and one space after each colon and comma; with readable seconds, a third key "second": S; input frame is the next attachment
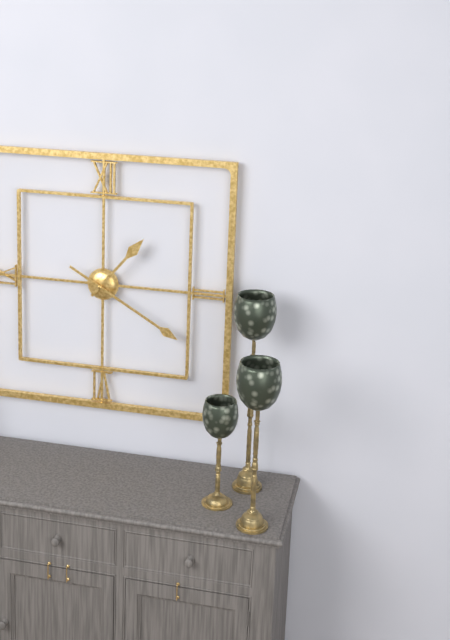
{"hour": 1, "minute": 20}
